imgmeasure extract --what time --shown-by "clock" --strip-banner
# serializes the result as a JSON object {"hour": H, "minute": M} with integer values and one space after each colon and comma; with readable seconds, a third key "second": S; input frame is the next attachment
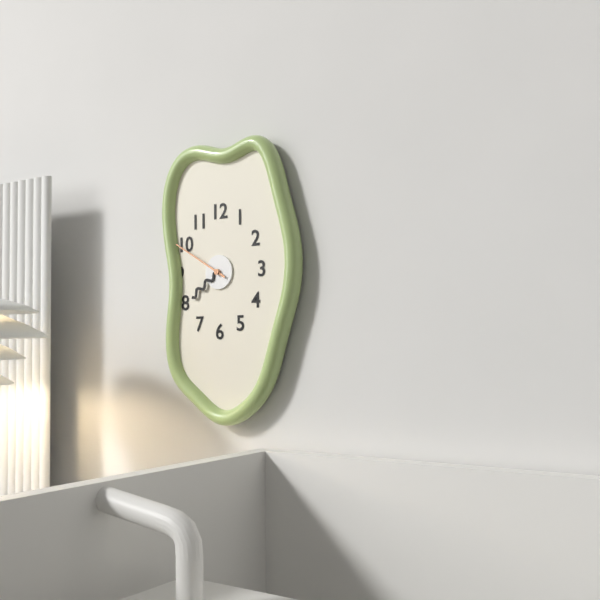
{"hour": 7, "minute": 50}
